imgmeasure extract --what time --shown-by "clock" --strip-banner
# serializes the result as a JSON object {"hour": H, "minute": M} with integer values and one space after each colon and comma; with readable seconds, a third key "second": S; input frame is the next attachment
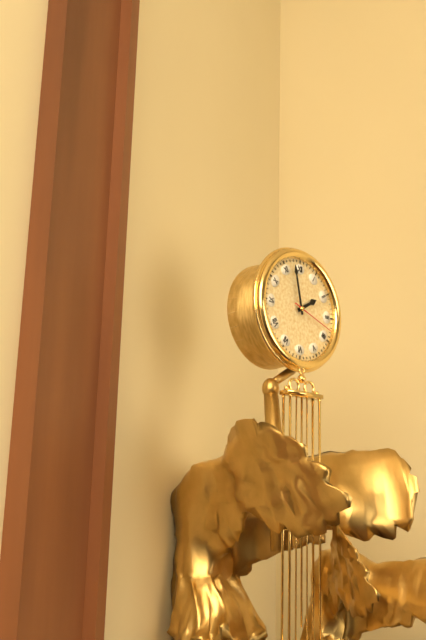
{"hour": 1, "minute": 58}
